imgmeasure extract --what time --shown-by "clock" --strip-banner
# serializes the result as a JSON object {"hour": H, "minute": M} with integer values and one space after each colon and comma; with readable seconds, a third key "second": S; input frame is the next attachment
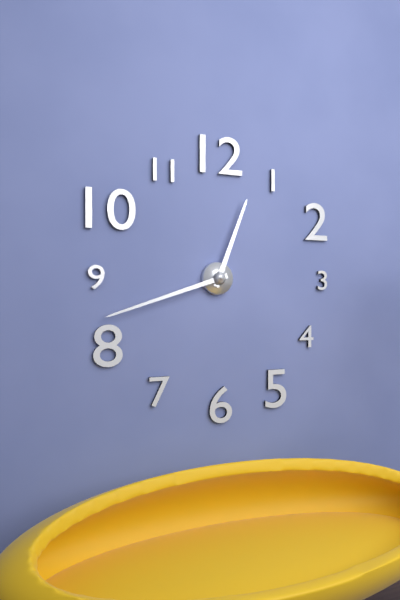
{"hour": 12, "minute": 42}
